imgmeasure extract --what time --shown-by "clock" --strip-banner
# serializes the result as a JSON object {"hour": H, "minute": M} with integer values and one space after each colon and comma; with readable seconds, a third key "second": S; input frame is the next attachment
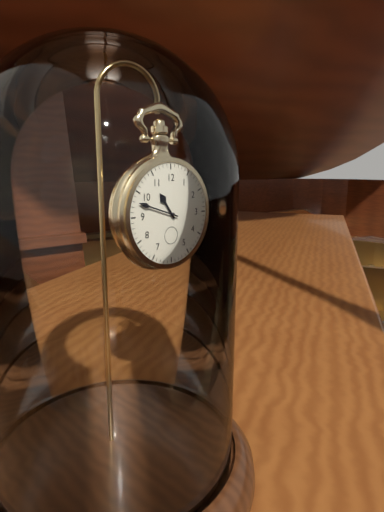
{"hour": 10, "minute": 48}
